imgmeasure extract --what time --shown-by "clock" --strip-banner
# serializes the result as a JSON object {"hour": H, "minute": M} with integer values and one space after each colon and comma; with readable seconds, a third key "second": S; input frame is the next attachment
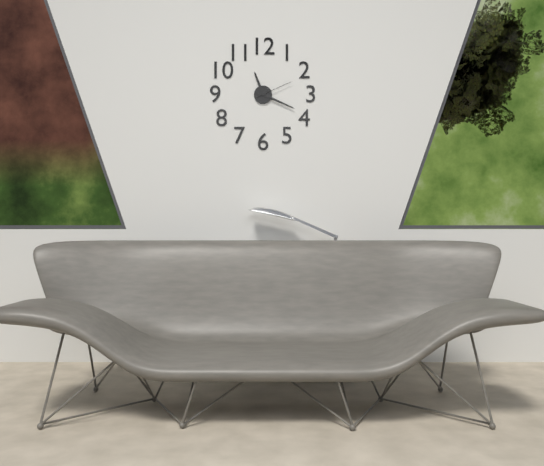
{"hour": 11, "minute": 19}
